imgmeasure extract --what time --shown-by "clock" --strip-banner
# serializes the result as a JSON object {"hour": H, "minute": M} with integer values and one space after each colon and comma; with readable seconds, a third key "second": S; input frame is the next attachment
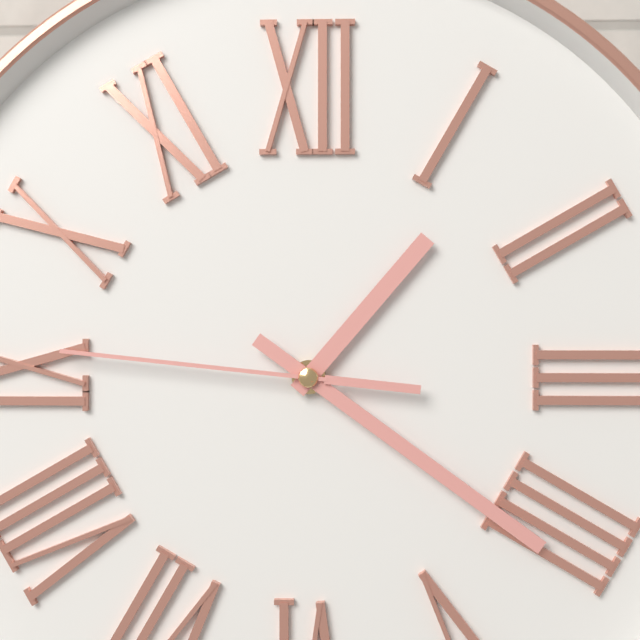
{"hour": 1, "minute": 21, "second": 46}
